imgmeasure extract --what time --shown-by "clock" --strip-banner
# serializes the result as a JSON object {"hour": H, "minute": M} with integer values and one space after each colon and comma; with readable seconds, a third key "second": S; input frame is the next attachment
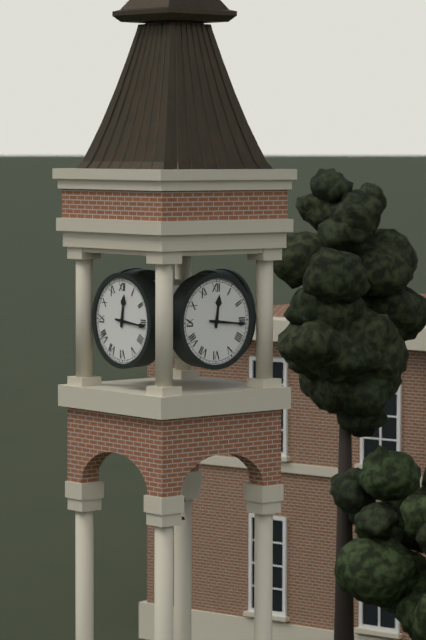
{"hour": 12, "minute": 16}
